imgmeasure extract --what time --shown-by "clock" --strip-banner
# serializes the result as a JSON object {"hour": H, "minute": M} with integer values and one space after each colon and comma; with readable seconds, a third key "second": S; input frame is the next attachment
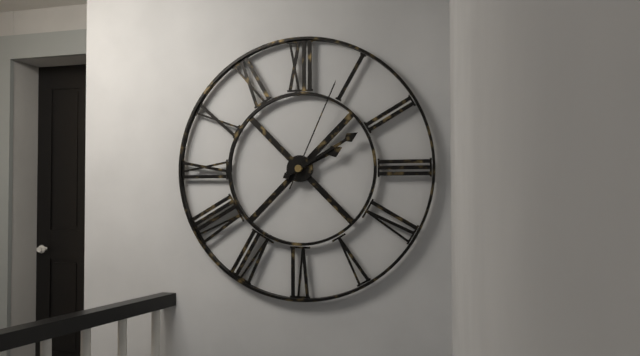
{"hour": 2, "minute": 10, "second": 4}
